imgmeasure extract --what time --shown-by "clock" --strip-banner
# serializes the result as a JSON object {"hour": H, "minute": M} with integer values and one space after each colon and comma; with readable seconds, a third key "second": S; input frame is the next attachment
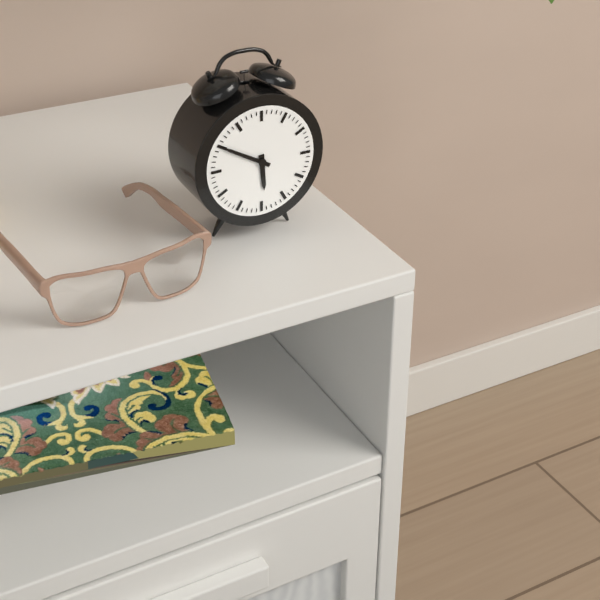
{"hour": 5, "minute": 50}
